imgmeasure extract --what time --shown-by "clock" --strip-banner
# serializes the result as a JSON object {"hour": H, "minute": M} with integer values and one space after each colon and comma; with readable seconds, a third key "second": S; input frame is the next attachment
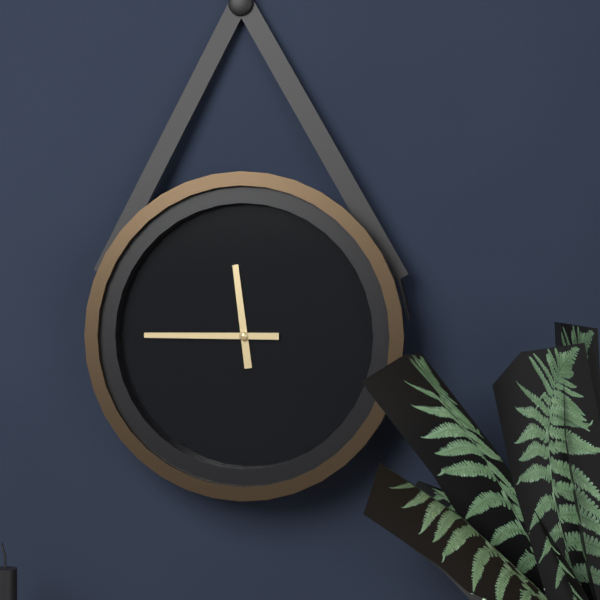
{"hour": 11, "minute": 45}
